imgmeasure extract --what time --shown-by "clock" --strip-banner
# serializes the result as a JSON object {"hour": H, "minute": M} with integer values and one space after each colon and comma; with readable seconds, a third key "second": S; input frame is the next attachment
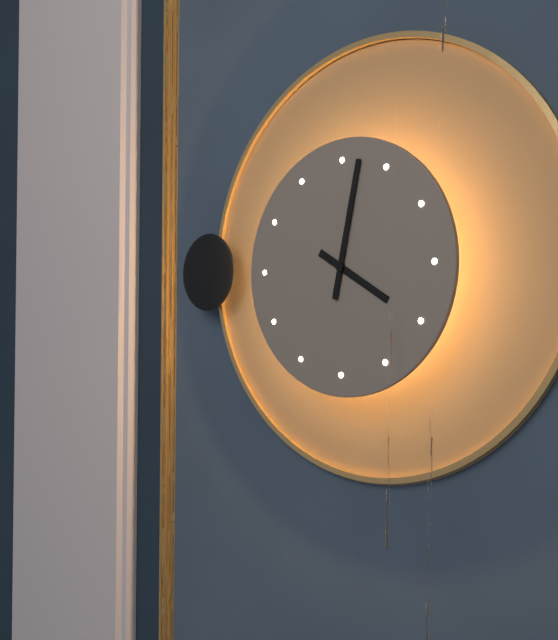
{"hour": 4, "minute": 2}
